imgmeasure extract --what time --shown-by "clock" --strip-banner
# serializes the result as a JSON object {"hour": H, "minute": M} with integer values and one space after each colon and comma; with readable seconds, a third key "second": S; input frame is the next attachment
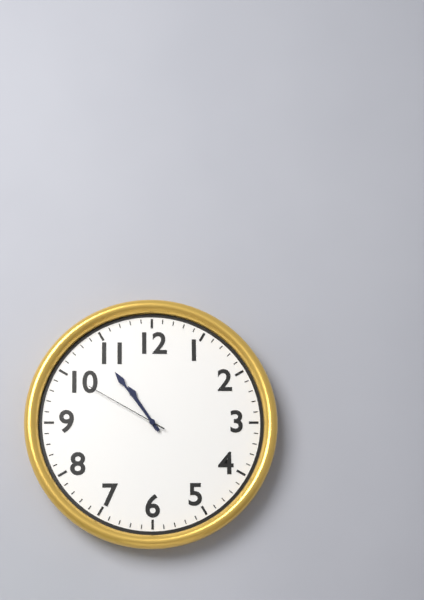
{"hour": 10, "minute": 54, "second": 50}
